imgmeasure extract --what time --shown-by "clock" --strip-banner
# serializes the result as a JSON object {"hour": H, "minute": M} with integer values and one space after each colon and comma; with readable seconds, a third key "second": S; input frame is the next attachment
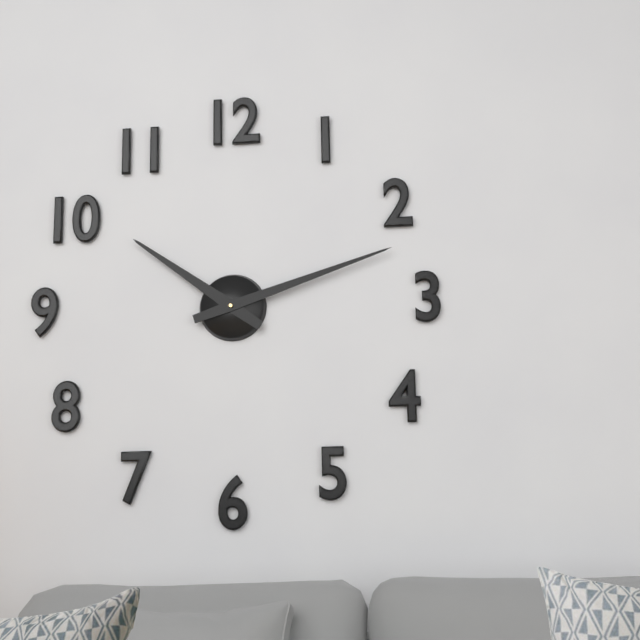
{"hour": 10, "minute": 12}
